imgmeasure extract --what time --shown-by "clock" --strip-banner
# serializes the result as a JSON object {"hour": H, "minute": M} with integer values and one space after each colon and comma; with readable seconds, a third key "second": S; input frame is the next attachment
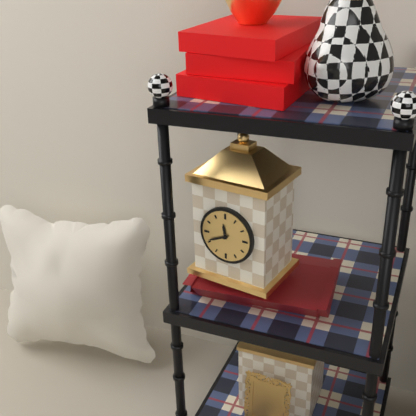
{"hour": 11, "minute": 41}
